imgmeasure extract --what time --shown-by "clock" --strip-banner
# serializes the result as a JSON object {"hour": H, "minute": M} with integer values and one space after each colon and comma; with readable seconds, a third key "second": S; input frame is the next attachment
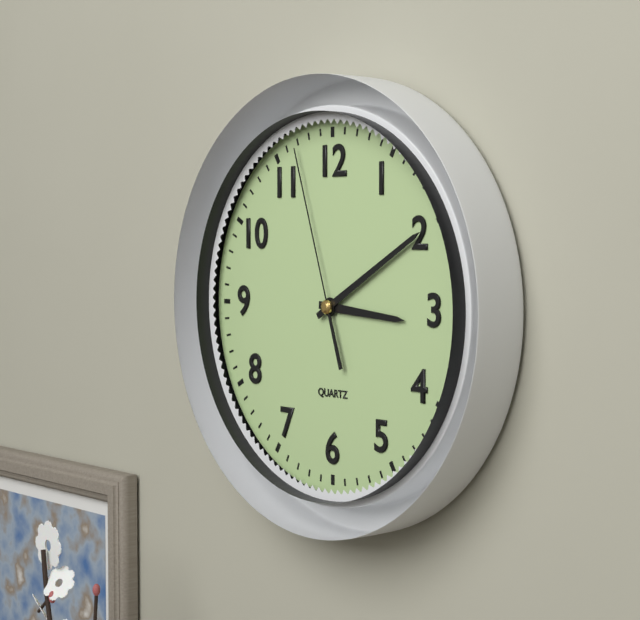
{"hour": 3, "minute": 10, "second": 57}
